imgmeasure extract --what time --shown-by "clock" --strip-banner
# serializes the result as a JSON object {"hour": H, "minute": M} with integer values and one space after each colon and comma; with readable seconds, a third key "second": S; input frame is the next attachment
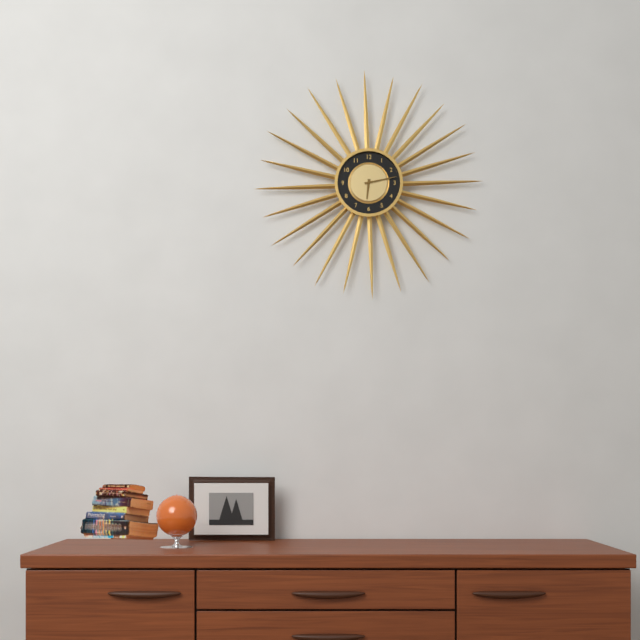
{"hour": 6, "minute": 13}
